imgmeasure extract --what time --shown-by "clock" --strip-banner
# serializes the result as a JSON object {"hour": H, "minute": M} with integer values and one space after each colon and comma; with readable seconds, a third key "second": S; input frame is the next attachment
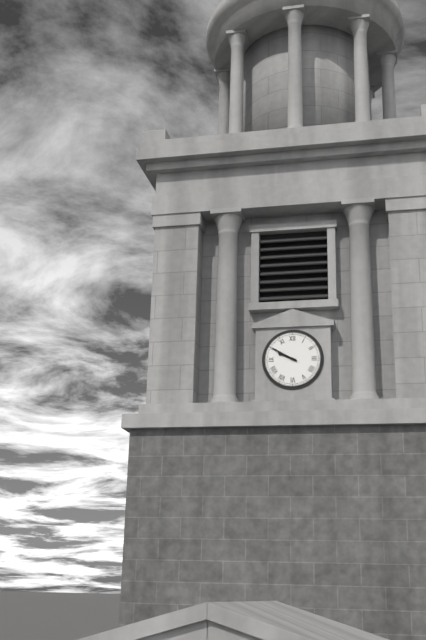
{"hour": 9, "minute": 50}
